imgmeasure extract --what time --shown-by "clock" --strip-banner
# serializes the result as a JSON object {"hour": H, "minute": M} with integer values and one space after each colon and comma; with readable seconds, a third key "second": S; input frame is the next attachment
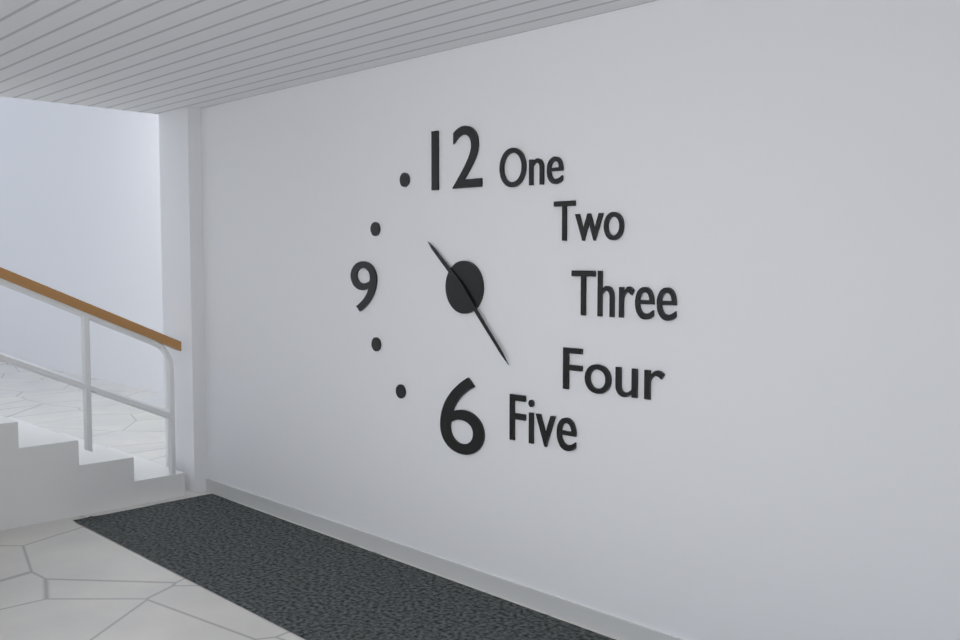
{"hour": 10, "minute": 23}
